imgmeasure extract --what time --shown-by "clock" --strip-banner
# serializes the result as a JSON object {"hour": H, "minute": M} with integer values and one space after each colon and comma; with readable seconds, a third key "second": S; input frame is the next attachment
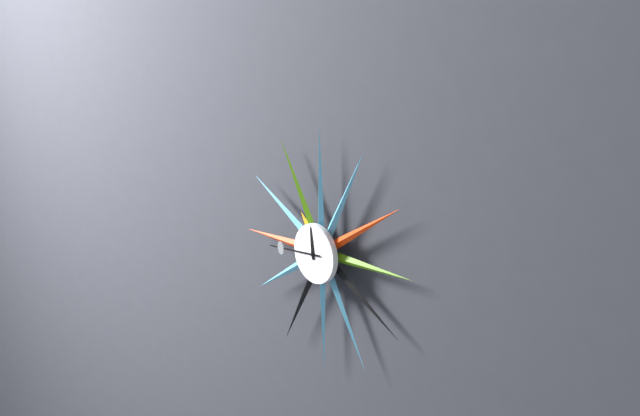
{"hour": 11, "minute": 44}
